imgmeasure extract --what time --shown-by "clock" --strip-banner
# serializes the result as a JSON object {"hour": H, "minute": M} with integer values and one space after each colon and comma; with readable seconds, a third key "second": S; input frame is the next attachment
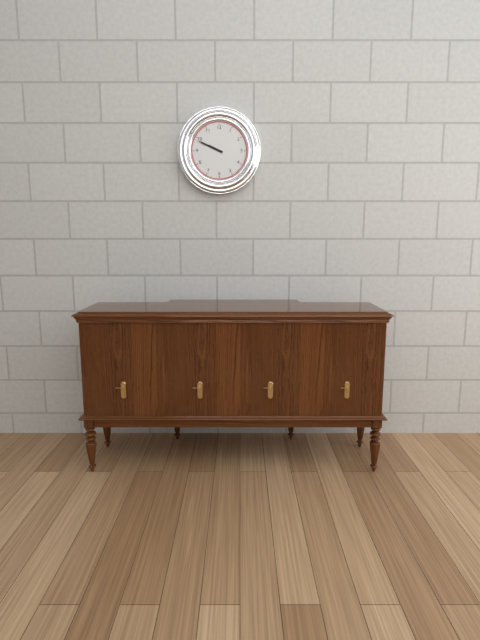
{"hour": 9, "minute": 49}
